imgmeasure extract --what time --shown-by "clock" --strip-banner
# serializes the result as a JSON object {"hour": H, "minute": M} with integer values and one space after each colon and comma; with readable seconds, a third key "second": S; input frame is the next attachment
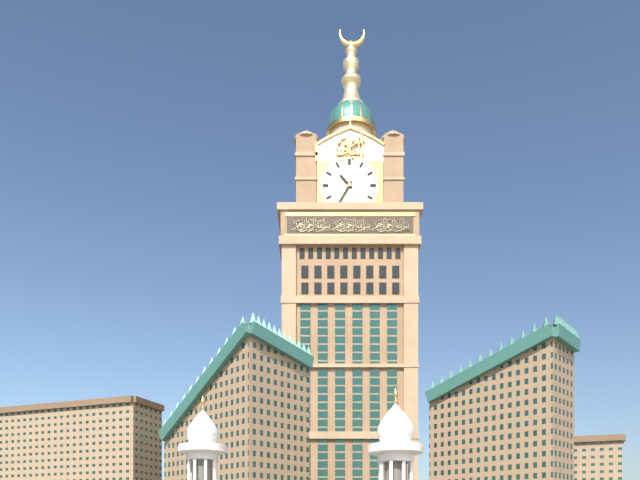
{"hour": 10, "minute": 35}
